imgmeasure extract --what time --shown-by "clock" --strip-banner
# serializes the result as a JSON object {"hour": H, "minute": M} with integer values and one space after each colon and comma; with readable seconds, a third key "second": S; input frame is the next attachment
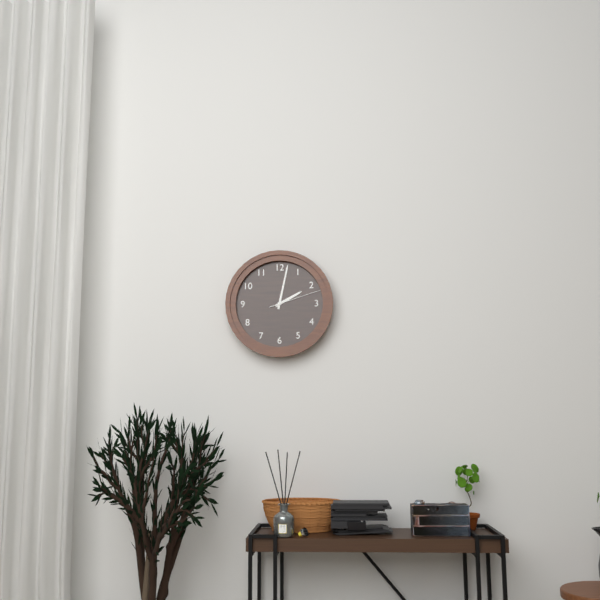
{"hour": 2, "minute": 2, "second": 12}
